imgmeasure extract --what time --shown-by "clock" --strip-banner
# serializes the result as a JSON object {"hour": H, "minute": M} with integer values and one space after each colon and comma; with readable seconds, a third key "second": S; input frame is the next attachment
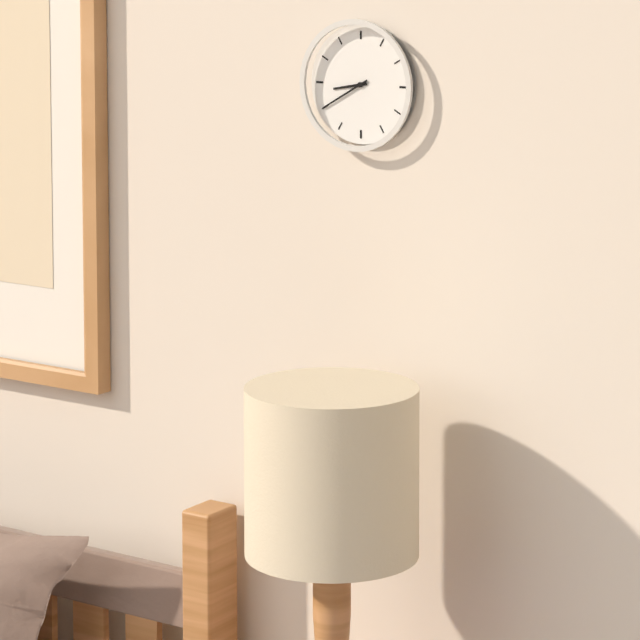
{"hour": 8, "minute": 40}
